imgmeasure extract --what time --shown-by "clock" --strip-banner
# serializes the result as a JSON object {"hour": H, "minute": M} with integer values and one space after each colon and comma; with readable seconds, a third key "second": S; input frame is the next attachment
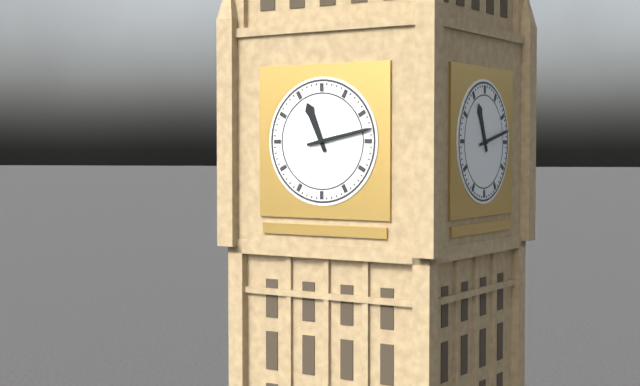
{"hour": 11, "minute": 13}
